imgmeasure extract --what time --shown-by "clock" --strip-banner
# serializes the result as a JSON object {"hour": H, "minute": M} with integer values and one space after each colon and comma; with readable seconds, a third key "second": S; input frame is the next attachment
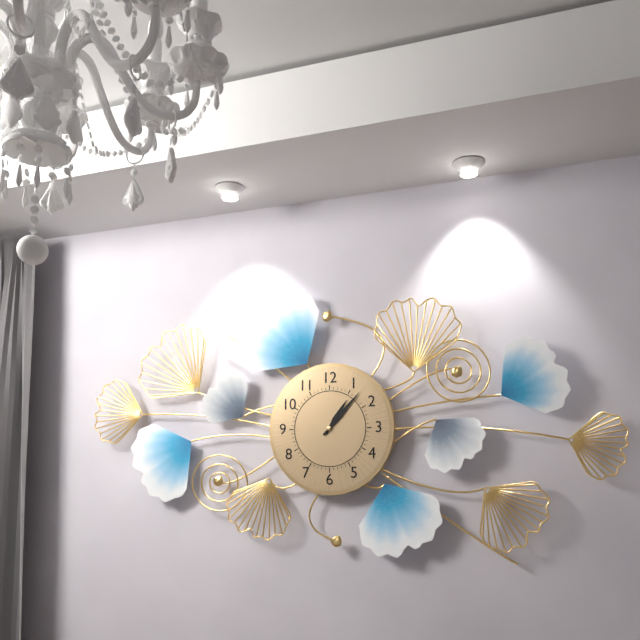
{"hour": 1, "minute": 7}
